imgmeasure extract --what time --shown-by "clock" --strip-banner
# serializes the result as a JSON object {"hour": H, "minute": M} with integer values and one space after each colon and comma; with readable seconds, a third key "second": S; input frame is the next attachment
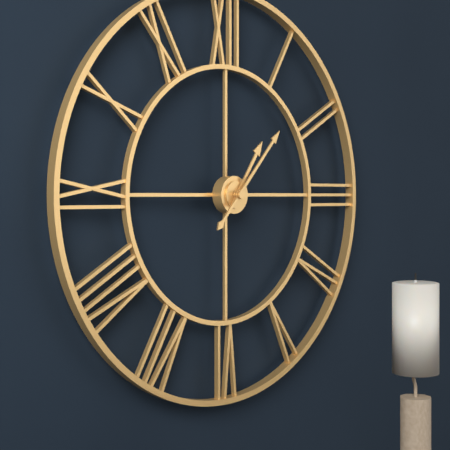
{"hour": 1, "minute": 7}
